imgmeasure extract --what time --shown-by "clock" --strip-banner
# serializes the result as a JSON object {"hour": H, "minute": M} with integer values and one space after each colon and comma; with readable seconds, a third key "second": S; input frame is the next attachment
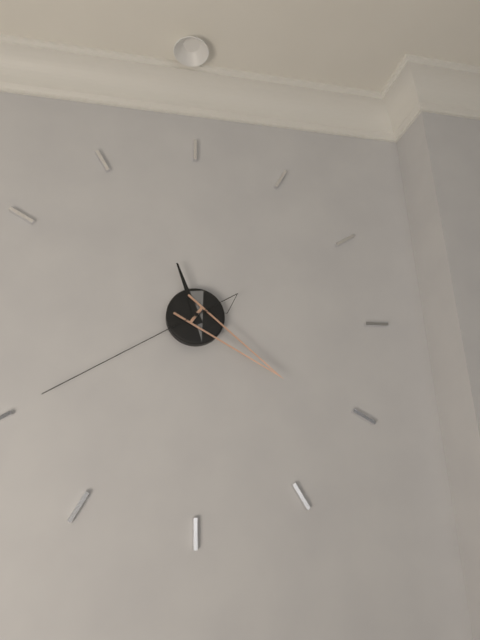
{"hour": 11, "minute": 21, "second": 40}
